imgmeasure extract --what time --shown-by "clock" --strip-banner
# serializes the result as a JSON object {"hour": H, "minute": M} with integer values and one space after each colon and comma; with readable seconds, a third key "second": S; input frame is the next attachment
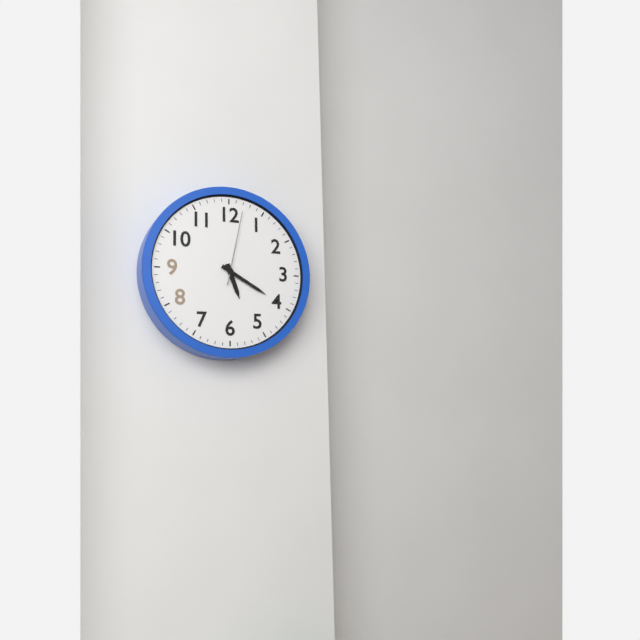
{"hour": 5, "minute": 20, "second": 2}
